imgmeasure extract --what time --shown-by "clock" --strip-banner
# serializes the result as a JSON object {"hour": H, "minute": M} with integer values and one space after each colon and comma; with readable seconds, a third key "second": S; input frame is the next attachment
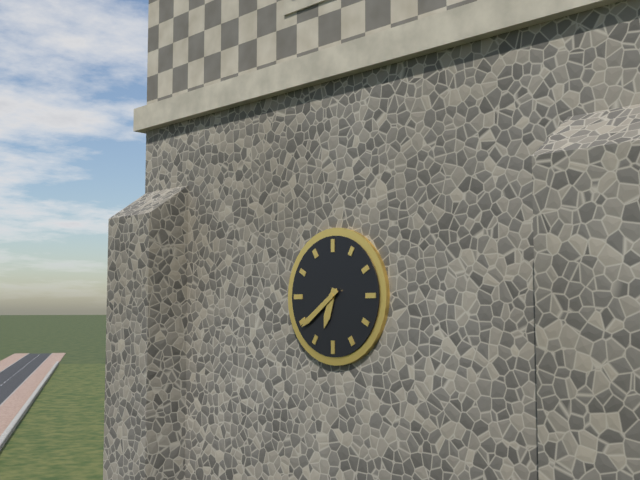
{"hour": 6, "minute": 39}
